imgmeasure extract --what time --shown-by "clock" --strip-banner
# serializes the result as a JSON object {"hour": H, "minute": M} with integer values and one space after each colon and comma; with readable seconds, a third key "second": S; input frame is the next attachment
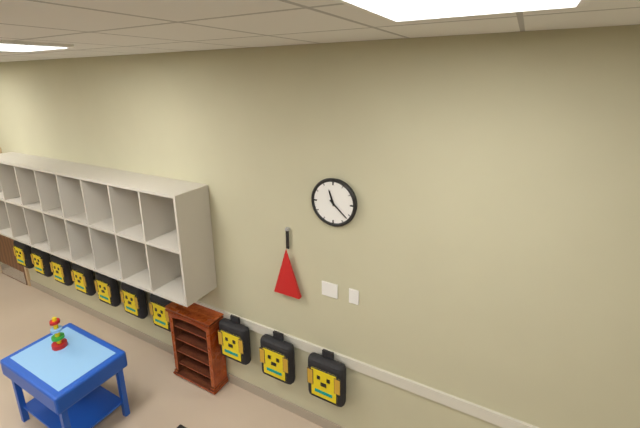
{"hour": 11, "minute": 22}
